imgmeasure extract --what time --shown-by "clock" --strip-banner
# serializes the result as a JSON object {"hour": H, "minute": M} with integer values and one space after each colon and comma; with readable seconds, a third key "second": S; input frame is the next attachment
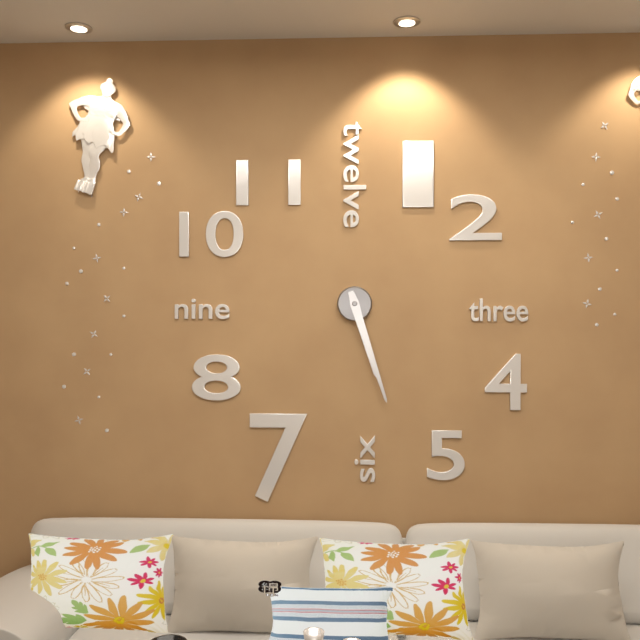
{"hour": 5, "minute": 27}
